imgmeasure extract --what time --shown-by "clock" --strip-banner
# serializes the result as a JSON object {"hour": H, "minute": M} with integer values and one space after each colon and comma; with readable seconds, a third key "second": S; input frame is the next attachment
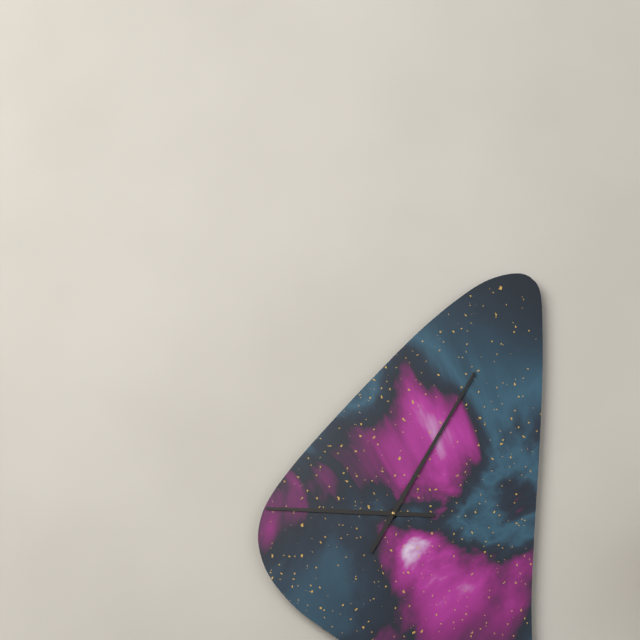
{"hour": 9, "minute": 5}
